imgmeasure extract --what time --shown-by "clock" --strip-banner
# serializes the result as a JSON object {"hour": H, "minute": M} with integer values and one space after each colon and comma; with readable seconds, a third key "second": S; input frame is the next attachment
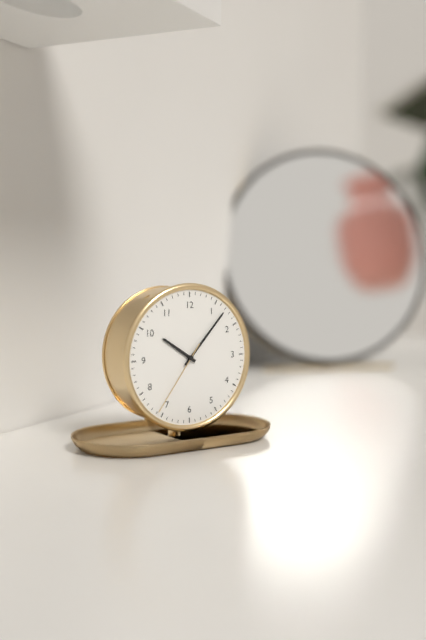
{"hour": 10, "minute": 7, "second": 36}
